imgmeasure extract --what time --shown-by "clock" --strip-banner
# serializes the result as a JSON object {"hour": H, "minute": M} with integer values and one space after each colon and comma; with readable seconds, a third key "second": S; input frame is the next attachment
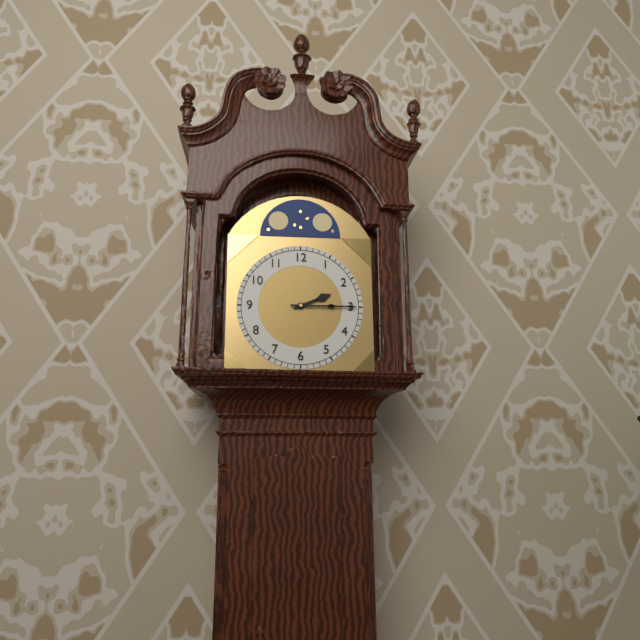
{"hour": 2, "minute": 15}
